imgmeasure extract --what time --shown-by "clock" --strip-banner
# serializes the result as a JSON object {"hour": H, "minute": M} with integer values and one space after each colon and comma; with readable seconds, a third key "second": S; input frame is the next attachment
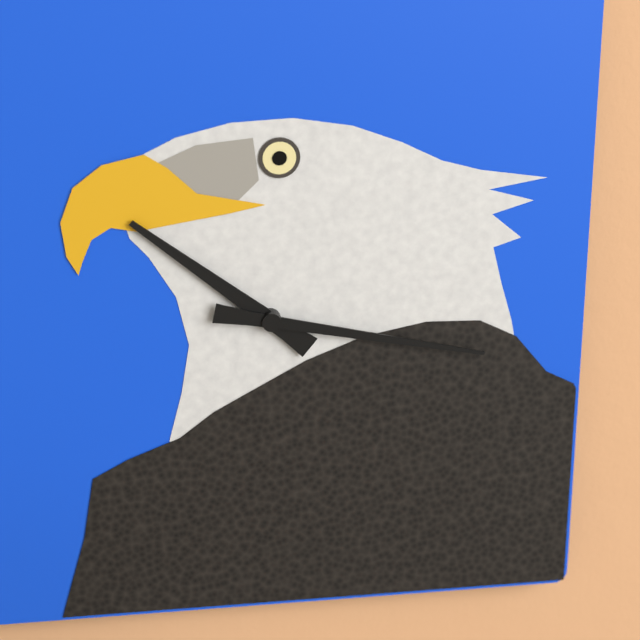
{"hour": 10, "minute": 17}
